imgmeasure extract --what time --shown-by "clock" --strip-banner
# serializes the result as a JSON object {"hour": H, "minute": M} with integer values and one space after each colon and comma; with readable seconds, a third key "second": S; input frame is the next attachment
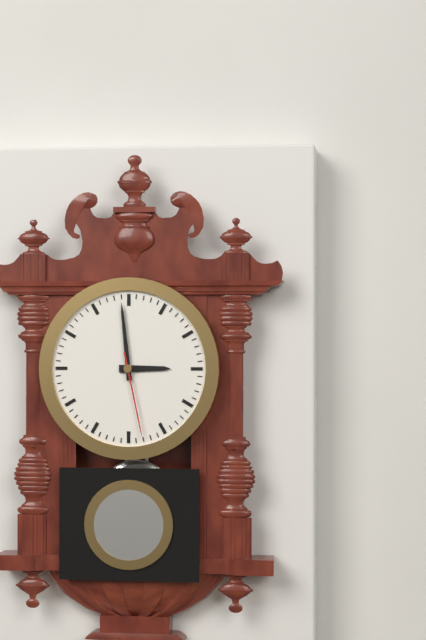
{"hour": 2, "minute": 59, "second": 28}
